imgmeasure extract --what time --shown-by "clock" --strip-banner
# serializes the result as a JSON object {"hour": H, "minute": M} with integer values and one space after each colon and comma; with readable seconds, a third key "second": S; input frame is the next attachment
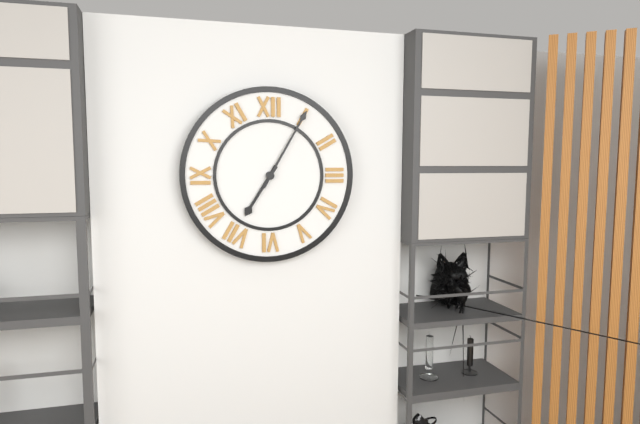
{"hour": 7, "minute": 5}
